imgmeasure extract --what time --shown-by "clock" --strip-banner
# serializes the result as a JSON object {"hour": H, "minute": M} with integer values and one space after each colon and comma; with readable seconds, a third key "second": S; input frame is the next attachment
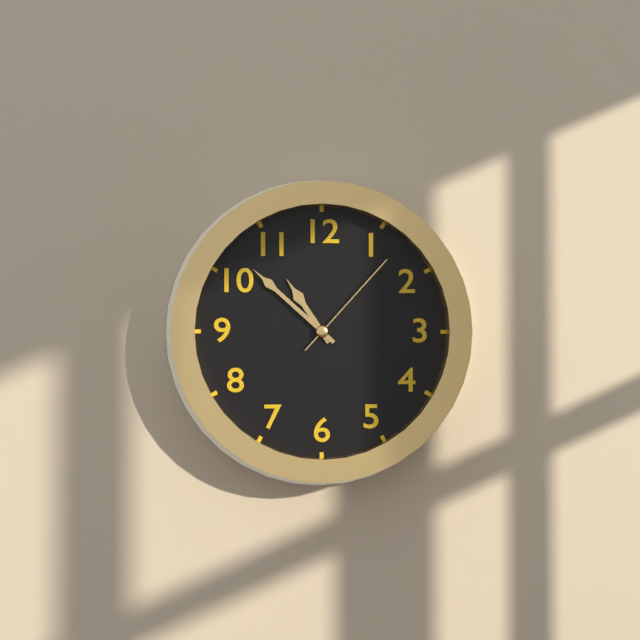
{"hour": 10, "minute": 52, "second": 7}
